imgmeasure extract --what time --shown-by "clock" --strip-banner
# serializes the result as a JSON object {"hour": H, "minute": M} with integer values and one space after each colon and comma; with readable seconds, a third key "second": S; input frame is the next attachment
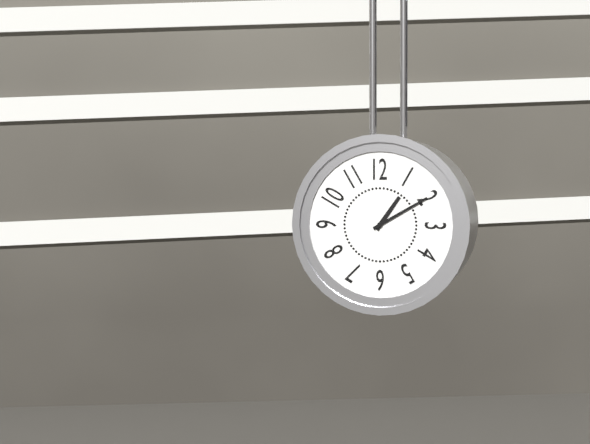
{"hour": 1, "minute": 10}
